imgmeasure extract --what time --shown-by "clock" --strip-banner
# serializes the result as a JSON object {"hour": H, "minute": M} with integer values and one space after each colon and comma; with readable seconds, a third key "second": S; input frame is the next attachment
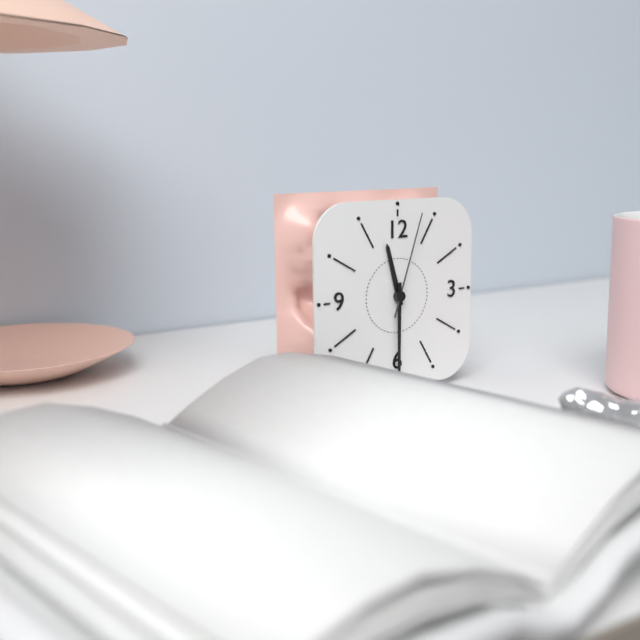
{"hour": 11, "minute": 30, "second": 3}
